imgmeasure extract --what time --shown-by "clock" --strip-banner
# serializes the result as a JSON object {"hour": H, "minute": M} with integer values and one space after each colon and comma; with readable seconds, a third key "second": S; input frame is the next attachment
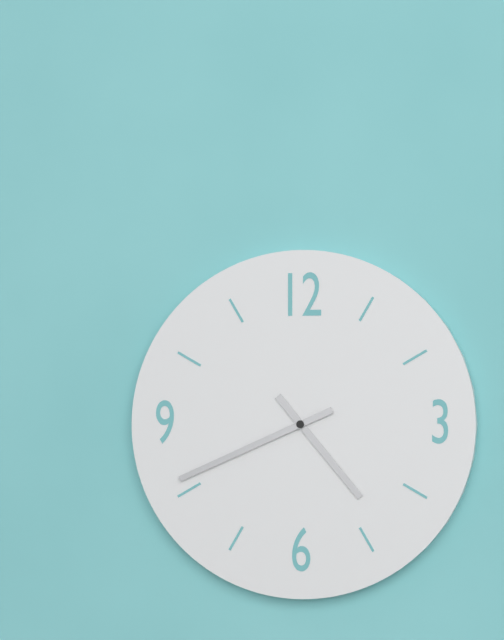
{"hour": 4, "minute": 41}
